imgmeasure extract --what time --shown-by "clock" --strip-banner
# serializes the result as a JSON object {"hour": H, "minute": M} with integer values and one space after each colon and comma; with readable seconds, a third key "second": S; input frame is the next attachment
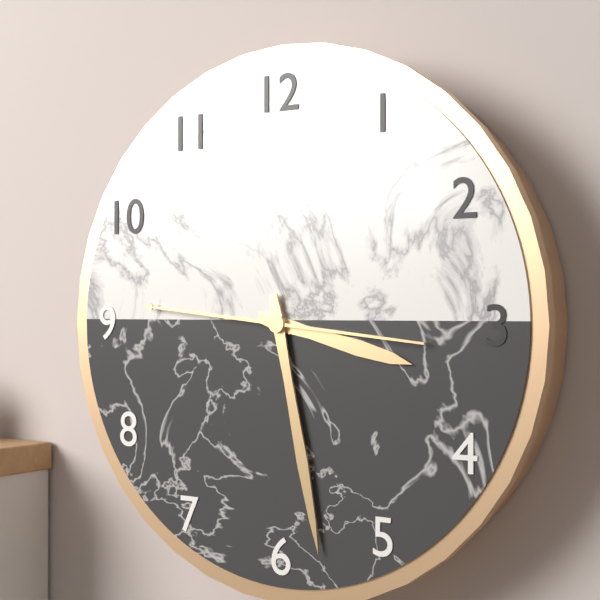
{"hour": 3, "minute": 28, "second": 46}
